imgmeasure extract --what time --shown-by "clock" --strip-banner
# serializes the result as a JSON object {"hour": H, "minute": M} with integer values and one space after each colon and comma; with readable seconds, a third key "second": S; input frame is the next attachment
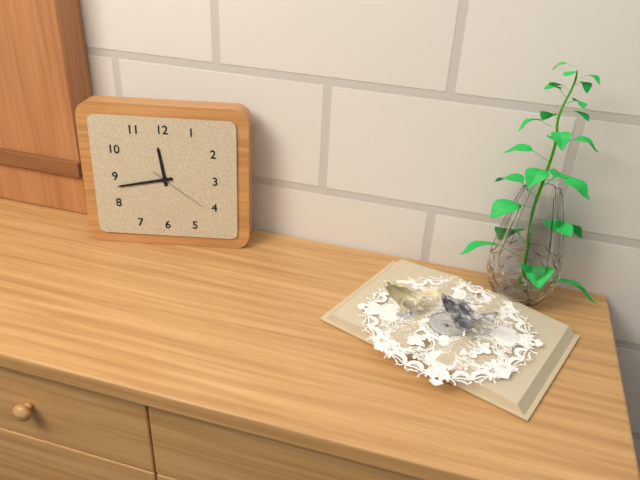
{"hour": 11, "minute": 43, "second": 21}
